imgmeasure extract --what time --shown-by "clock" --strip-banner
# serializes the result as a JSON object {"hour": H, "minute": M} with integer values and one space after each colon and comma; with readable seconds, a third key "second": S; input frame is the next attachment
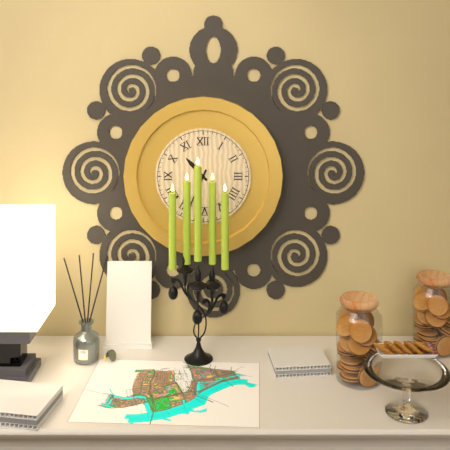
{"hour": 10, "minute": 34}
